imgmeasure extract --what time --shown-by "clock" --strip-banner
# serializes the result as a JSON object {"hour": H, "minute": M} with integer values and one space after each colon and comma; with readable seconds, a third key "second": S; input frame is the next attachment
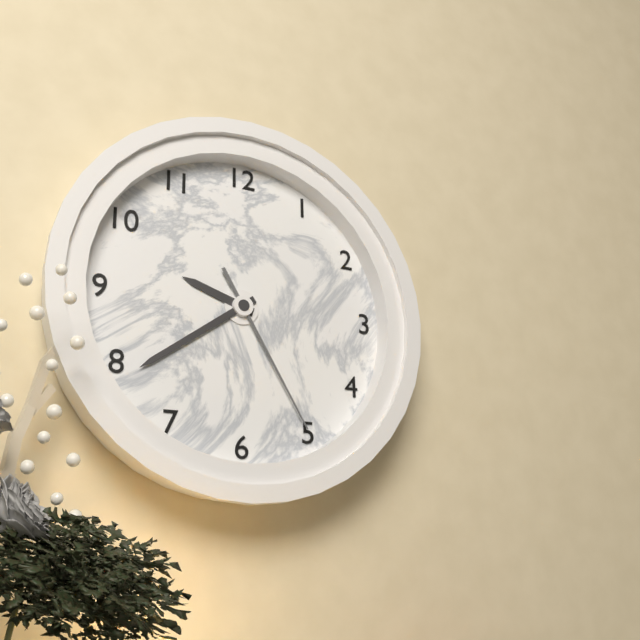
{"hour": 9, "minute": 39, "second": 25}
